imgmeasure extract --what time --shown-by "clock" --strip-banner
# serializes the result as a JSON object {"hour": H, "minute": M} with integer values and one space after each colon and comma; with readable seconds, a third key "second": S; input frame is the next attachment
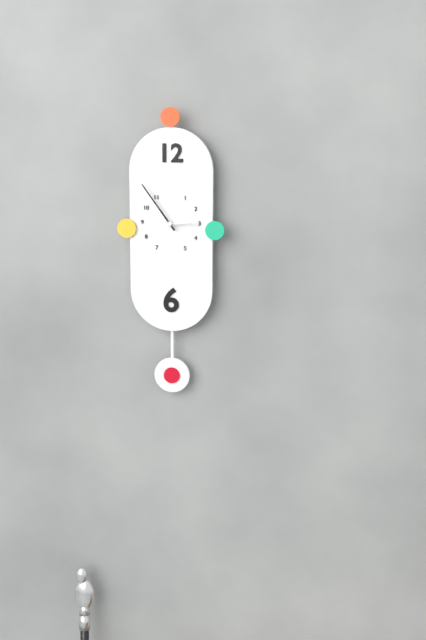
{"hour": 2, "minute": 54}
